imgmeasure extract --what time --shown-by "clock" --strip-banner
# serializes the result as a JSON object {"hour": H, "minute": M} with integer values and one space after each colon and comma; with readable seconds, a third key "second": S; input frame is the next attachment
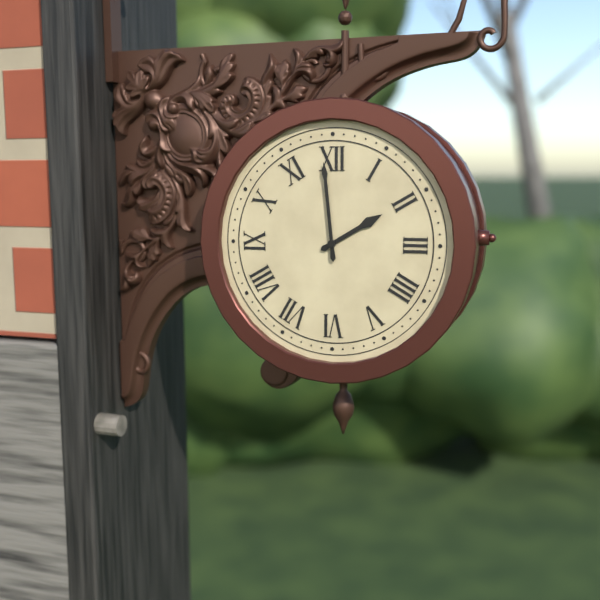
{"hour": 1, "minute": 59}
